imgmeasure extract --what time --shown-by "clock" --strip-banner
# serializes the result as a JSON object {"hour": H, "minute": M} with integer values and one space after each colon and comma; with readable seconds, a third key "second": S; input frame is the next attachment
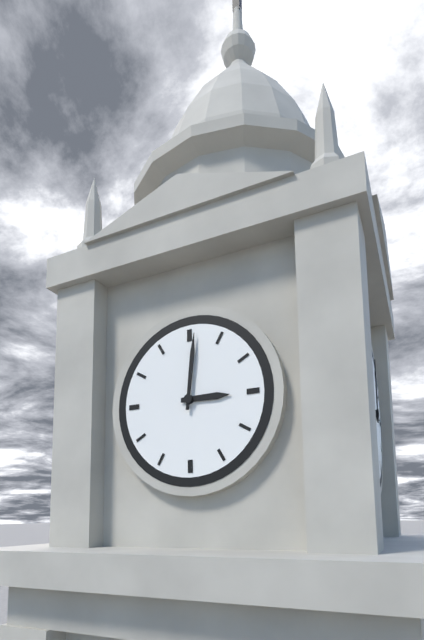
{"hour": 3, "minute": 1}
